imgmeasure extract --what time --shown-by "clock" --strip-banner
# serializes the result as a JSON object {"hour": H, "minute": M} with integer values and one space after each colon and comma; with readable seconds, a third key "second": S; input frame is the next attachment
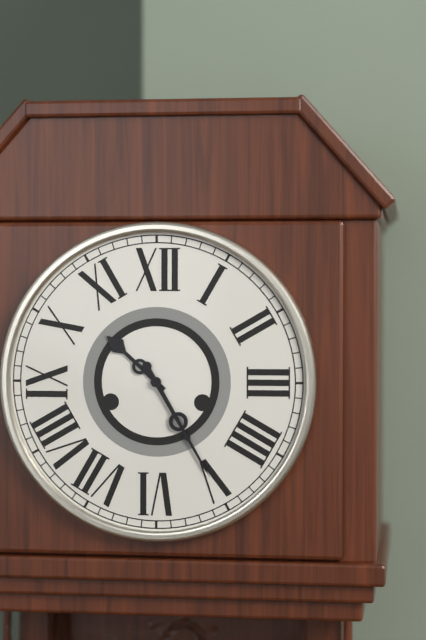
{"hour": 10, "minute": 25}
